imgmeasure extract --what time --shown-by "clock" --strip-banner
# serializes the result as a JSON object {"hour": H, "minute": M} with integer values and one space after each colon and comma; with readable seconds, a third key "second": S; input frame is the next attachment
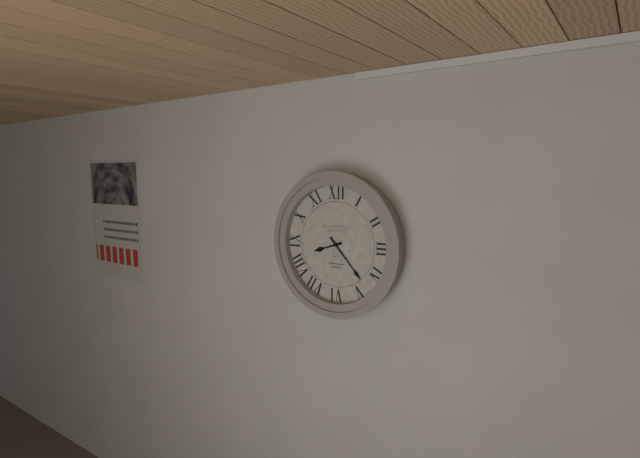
{"hour": 8, "minute": 23}
